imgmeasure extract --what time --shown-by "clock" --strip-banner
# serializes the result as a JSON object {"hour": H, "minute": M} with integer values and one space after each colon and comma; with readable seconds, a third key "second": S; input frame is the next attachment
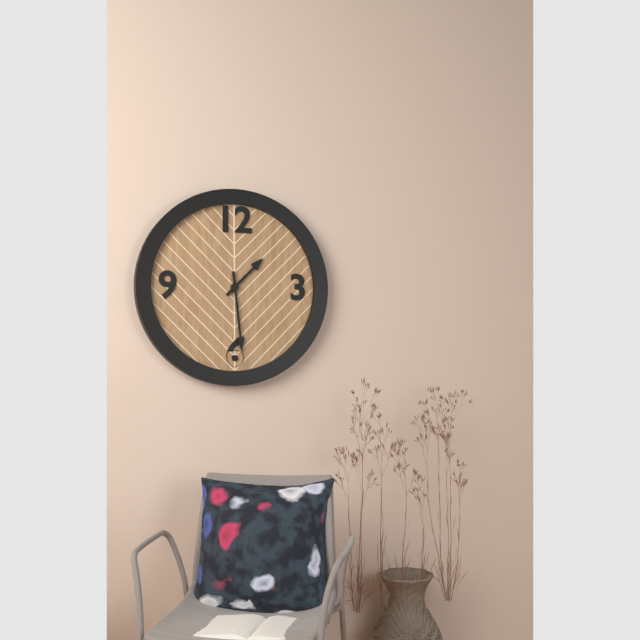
{"hour": 1, "minute": 29}
